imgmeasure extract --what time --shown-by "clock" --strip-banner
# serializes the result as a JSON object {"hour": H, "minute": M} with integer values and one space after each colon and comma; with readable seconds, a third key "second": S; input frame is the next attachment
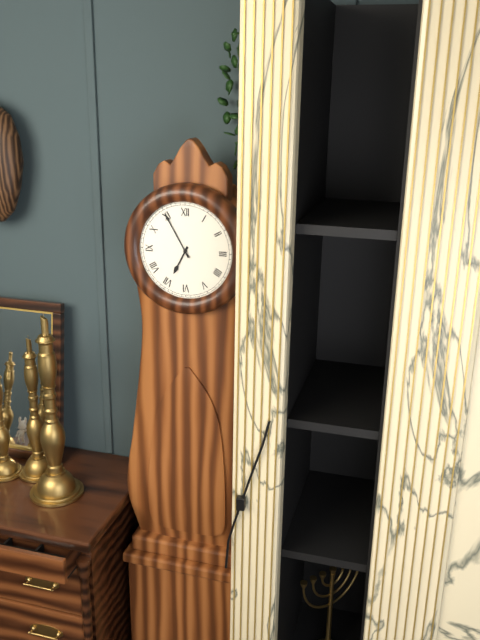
{"hour": 6, "minute": 55}
